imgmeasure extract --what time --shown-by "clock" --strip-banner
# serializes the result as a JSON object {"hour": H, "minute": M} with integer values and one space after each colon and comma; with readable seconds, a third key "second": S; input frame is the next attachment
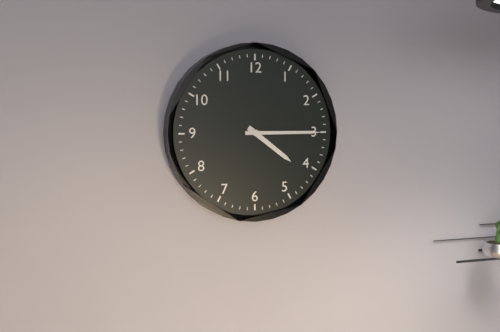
{"hour": 4, "minute": 15}
